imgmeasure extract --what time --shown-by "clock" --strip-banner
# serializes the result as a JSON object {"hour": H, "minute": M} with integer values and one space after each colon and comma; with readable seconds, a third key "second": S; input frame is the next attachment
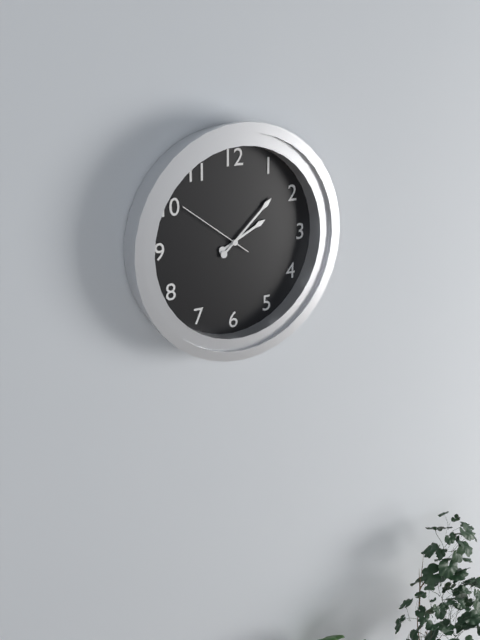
{"hour": 2, "minute": 8, "second": 51}
